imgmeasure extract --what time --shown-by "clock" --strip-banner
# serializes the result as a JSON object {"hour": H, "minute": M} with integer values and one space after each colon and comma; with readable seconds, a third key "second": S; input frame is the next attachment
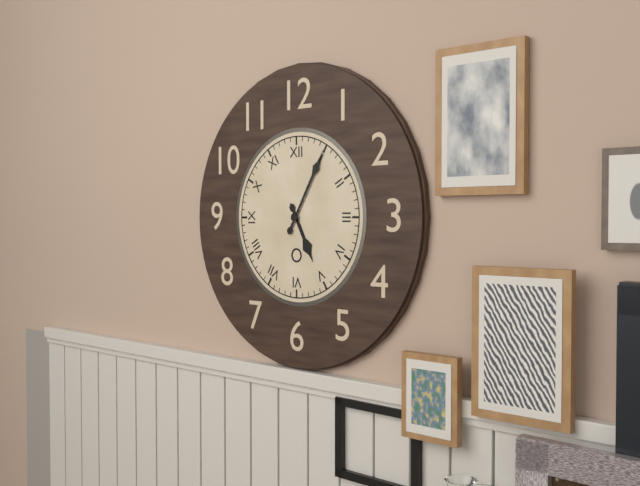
{"hour": 5, "minute": 5}
